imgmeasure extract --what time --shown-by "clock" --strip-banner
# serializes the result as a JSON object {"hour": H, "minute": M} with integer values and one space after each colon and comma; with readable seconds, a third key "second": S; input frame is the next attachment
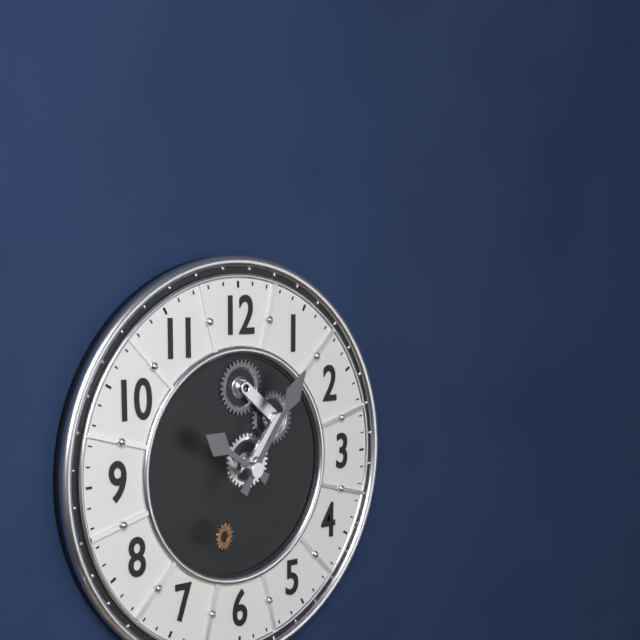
{"hour": 10, "minute": 6}
